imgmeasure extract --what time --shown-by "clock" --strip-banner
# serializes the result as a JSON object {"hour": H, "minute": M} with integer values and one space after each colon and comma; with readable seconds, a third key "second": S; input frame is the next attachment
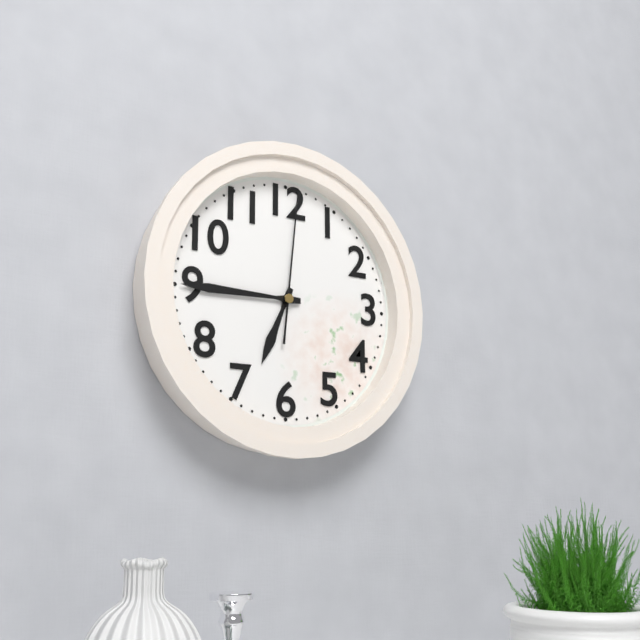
{"hour": 6, "minute": 45, "second": 1}
